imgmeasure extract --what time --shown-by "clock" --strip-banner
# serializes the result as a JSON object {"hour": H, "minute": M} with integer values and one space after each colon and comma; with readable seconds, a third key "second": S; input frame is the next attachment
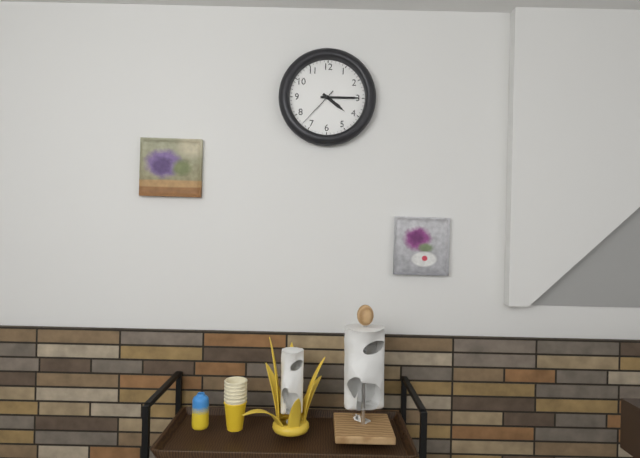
{"hour": 4, "minute": 15}
